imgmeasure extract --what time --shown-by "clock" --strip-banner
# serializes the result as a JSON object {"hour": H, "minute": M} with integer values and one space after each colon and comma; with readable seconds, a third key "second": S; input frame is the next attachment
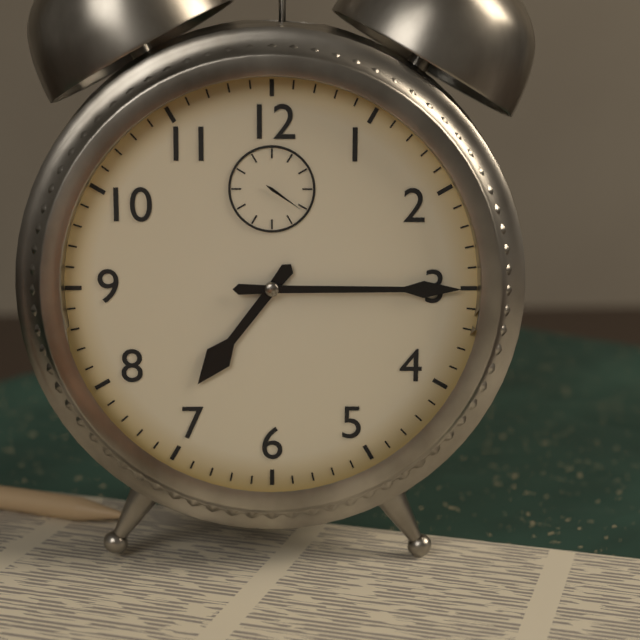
{"hour": 7, "minute": 15}
